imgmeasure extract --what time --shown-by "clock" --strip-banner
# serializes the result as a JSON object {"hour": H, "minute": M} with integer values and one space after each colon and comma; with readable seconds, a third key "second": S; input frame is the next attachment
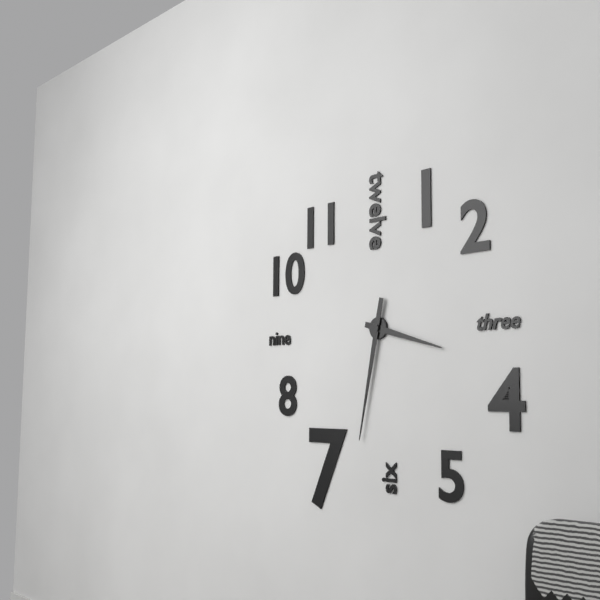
{"hour": 3, "minute": 32}
